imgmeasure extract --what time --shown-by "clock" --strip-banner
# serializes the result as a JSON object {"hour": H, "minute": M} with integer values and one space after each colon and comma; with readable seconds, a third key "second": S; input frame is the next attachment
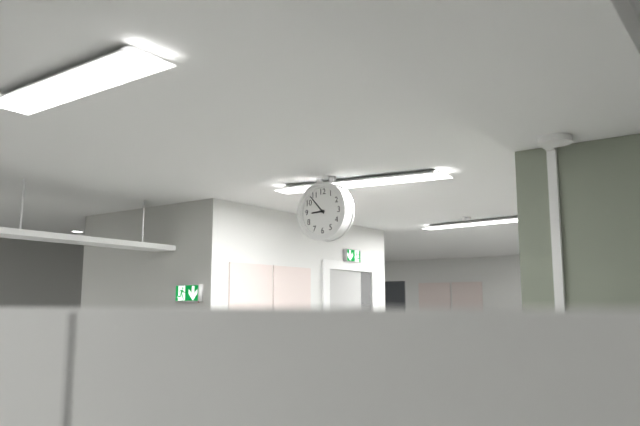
{"hour": 8, "minute": 53}
